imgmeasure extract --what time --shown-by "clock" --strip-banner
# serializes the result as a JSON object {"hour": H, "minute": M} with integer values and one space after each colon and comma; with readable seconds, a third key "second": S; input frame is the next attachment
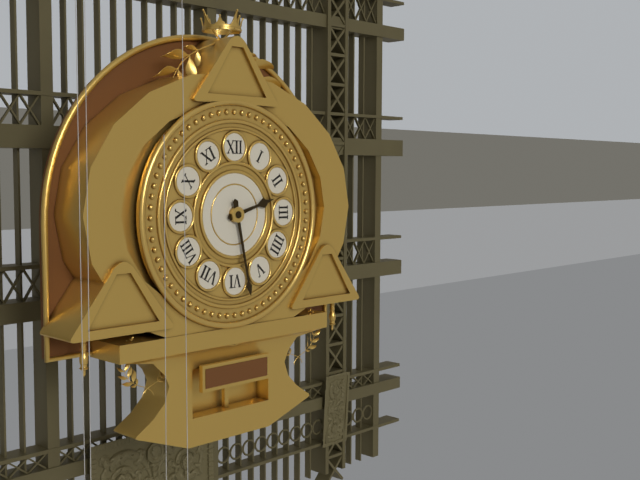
{"hour": 2, "minute": 28}
